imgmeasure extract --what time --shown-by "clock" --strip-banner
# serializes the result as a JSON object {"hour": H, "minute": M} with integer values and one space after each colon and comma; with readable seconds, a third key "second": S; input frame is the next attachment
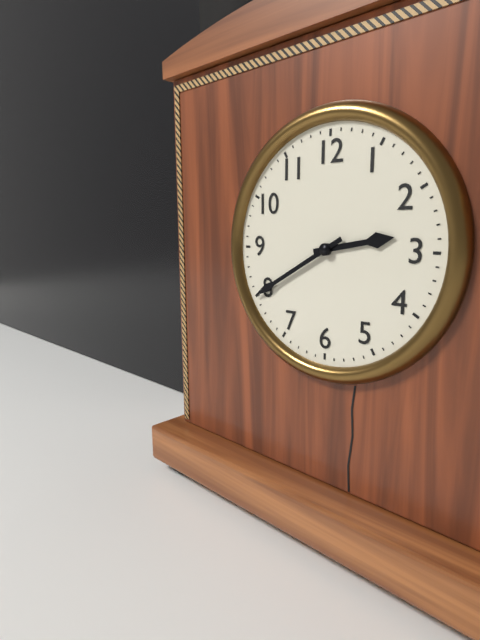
{"hour": 2, "minute": 40}
